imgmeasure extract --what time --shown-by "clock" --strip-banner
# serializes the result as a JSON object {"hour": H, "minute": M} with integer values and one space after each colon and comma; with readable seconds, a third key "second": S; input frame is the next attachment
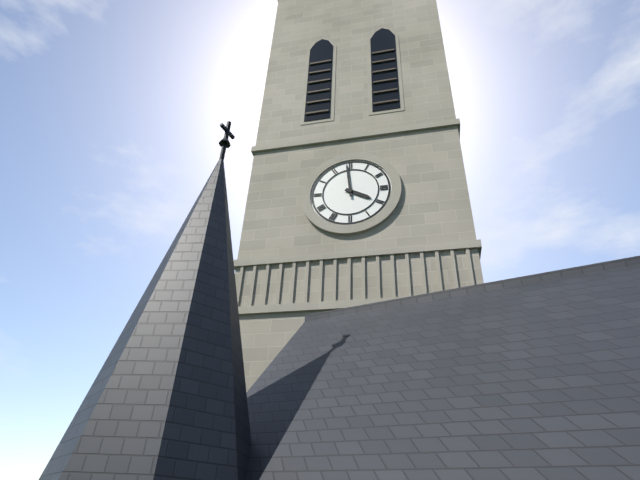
{"hour": 3, "minute": 59}
